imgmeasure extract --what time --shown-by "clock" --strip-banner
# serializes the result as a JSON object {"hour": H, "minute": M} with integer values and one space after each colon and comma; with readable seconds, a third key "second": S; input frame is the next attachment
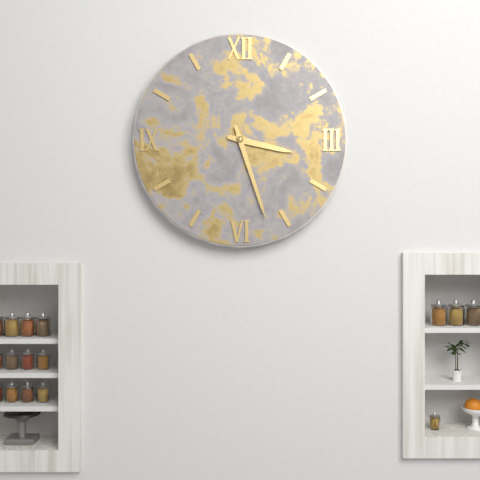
{"hour": 3, "minute": 27}
